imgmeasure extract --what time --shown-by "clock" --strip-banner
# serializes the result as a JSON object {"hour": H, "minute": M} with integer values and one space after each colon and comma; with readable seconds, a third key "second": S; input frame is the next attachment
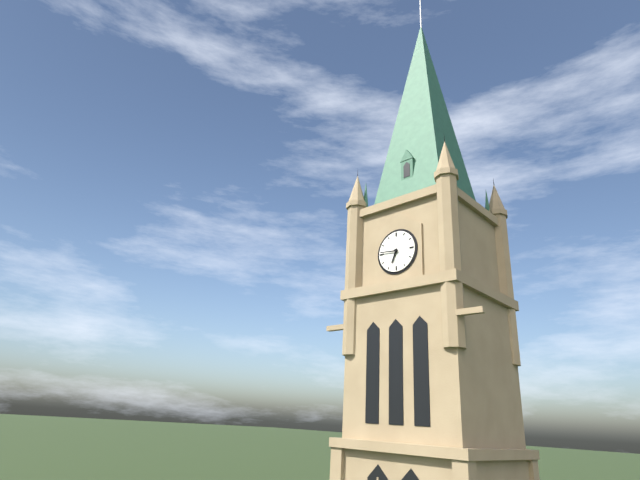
{"hour": 6, "minute": 46}
